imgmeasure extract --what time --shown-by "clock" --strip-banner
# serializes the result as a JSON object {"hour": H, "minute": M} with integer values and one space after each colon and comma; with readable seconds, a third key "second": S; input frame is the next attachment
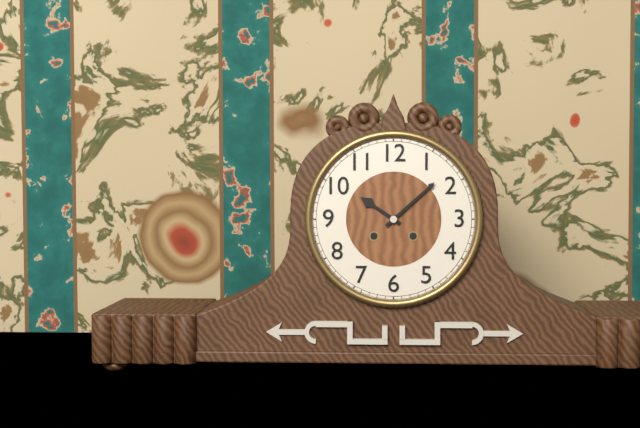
{"hour": 10, "minute": 8}
